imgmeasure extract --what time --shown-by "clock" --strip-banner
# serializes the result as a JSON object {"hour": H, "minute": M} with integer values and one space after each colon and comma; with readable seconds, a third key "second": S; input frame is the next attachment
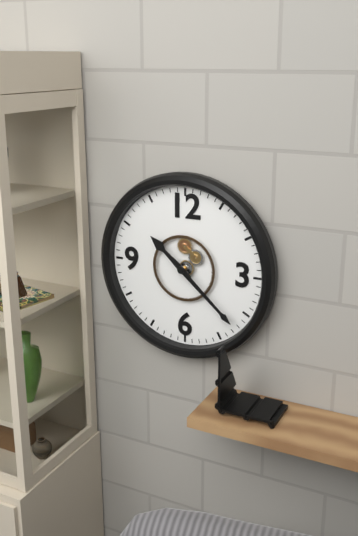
{"hour": 10, "minute": 22}
